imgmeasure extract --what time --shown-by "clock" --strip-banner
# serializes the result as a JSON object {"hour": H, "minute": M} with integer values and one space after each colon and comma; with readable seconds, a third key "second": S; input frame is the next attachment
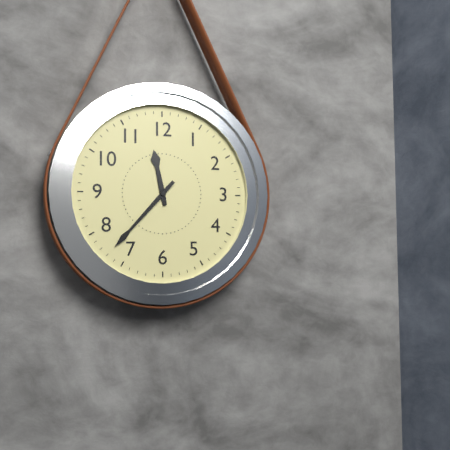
{"hour": 11, "minute": 37}
